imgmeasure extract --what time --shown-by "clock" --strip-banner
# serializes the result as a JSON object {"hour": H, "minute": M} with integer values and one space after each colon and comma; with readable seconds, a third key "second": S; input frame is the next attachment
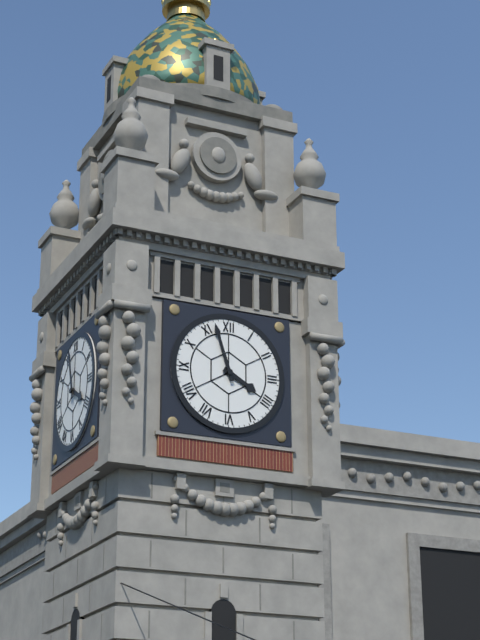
{"hour": 3, "minute": 57}
